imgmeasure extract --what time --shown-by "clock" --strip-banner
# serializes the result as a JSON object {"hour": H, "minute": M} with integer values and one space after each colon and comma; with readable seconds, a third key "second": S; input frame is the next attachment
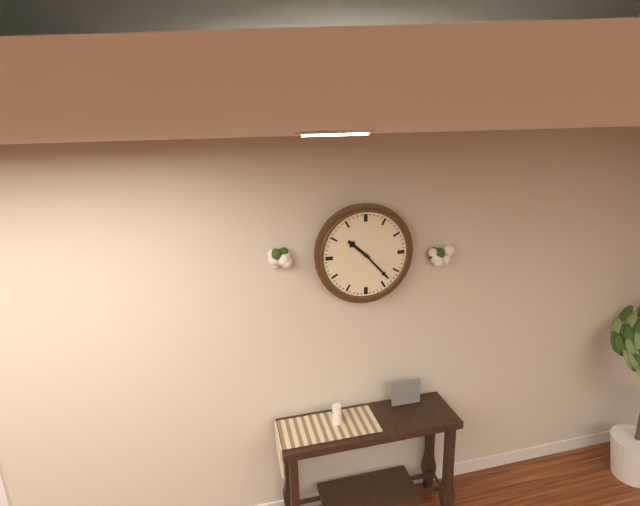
{"hour": 10, "minute": 23}
